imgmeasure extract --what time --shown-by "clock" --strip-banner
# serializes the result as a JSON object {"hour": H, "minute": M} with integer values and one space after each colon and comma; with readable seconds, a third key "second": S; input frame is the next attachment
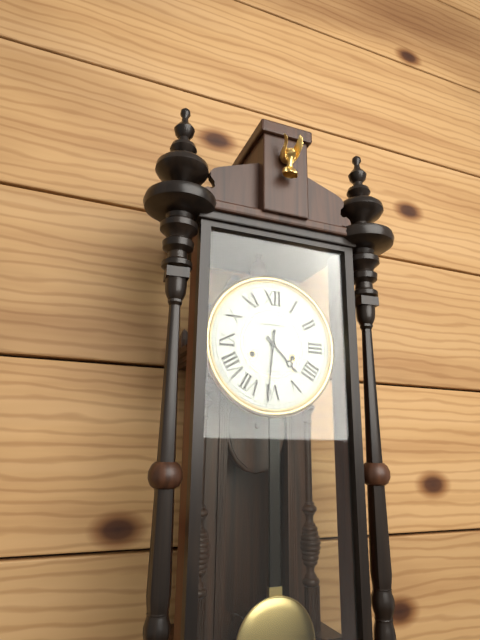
{"hour": 4, "minute": 31}
